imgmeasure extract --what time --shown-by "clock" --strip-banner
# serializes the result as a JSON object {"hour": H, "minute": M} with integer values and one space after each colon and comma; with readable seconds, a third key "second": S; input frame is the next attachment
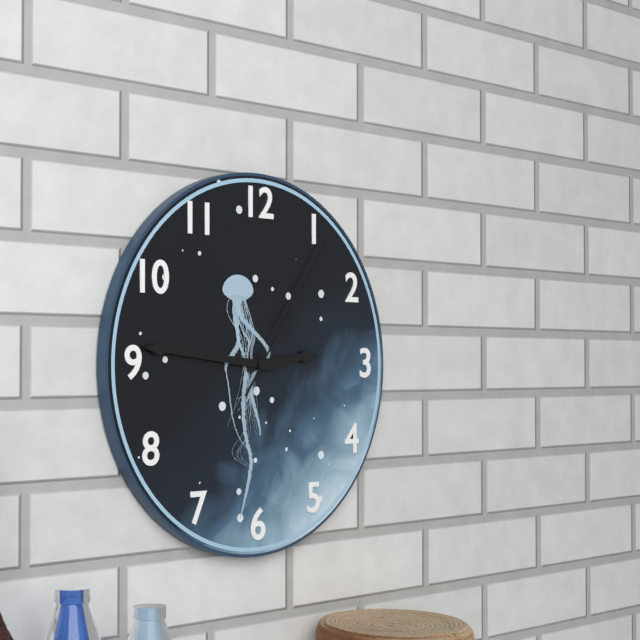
{"hour": 2, "minute": 46, "second": 6}
